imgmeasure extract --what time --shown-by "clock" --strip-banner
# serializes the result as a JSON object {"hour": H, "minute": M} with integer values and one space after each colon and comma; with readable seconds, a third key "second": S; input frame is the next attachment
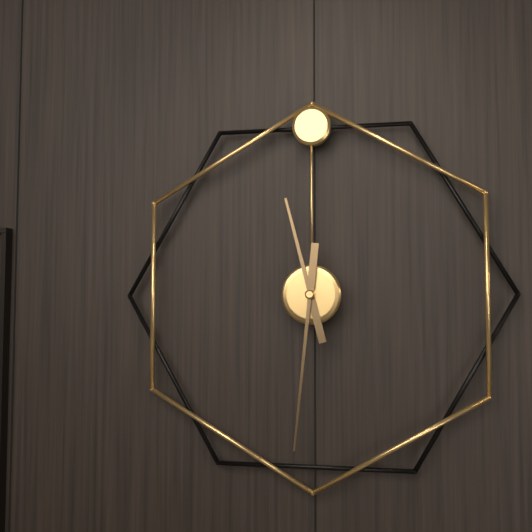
{"hour": 11, "minute": 31}
